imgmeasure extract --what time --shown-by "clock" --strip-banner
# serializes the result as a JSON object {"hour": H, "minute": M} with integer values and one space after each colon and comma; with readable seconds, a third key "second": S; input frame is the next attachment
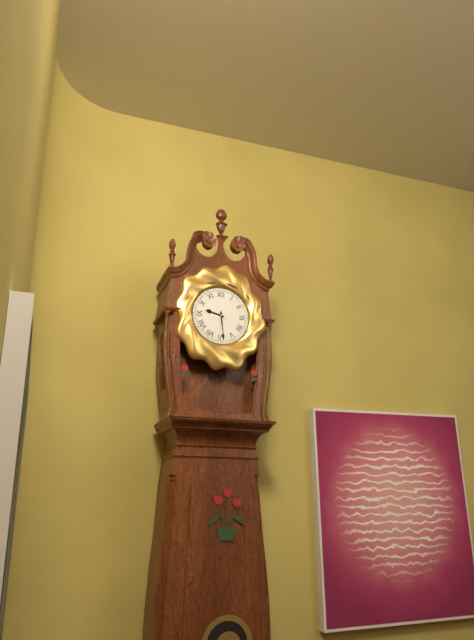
{"hour": 9, "minute": 29}
